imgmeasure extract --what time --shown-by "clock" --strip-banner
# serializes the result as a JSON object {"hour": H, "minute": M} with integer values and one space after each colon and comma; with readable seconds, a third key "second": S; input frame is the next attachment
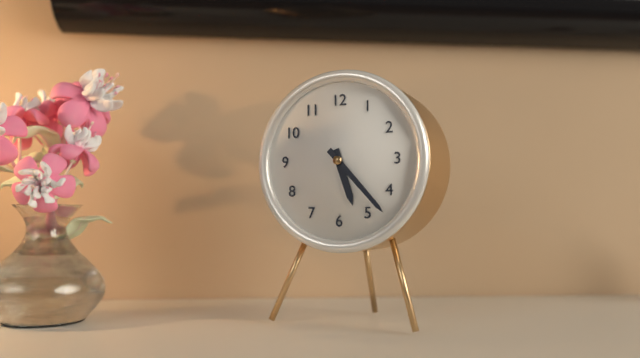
{"hour": 5, "minute": 23}
